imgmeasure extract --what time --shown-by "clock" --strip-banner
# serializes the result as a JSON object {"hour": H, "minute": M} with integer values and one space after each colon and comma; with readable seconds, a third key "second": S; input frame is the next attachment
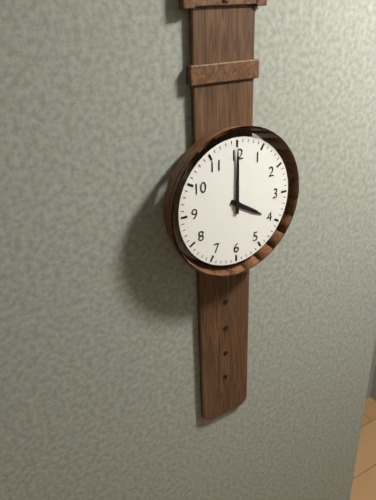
{"hour": 4, "minute": 0}
